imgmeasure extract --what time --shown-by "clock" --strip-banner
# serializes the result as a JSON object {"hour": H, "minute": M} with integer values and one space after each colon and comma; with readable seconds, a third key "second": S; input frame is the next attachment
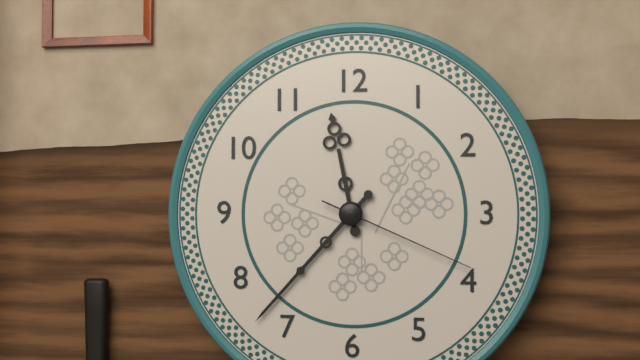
{"hour": 11, "minute": 37, "second": 19}
